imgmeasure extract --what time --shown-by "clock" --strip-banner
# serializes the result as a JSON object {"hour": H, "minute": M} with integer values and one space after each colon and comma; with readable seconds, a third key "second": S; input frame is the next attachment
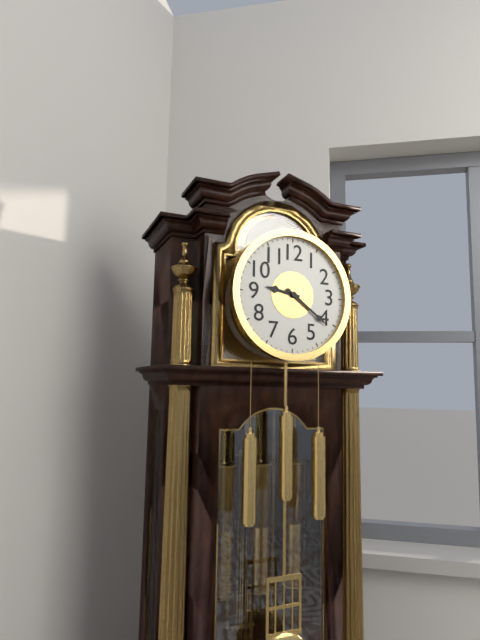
{"hour": 9, "minute": 21}
